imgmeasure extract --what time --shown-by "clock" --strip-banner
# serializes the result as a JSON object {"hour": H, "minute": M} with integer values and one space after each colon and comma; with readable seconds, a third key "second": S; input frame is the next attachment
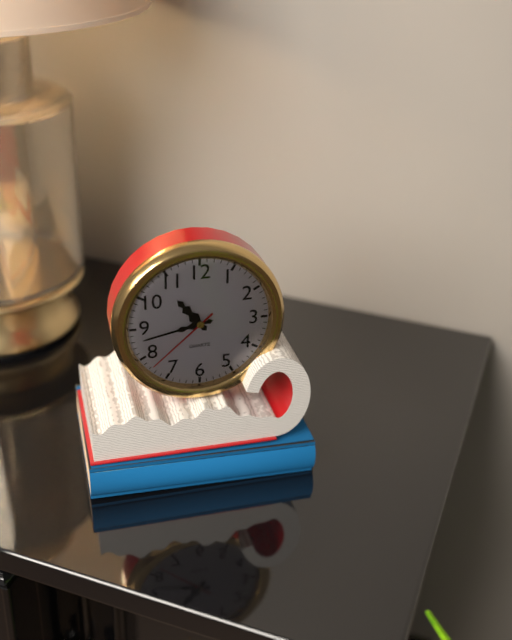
{"hour": 10, "minute": 43, "second": 38}
